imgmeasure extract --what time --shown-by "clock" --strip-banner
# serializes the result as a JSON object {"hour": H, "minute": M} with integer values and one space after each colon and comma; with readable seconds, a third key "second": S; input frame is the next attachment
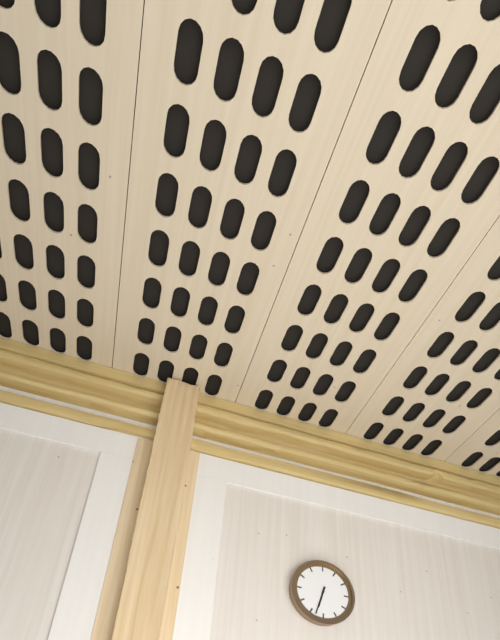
{"hour": 6, "minute": 33}
